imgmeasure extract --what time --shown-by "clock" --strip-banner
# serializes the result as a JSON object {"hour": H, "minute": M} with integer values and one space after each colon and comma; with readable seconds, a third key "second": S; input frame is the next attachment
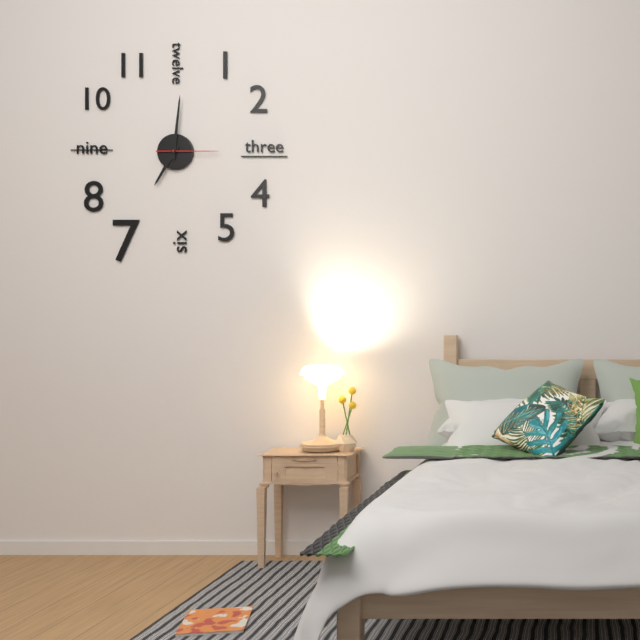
{"hour": 7, "minute": 1, "second": 15}
